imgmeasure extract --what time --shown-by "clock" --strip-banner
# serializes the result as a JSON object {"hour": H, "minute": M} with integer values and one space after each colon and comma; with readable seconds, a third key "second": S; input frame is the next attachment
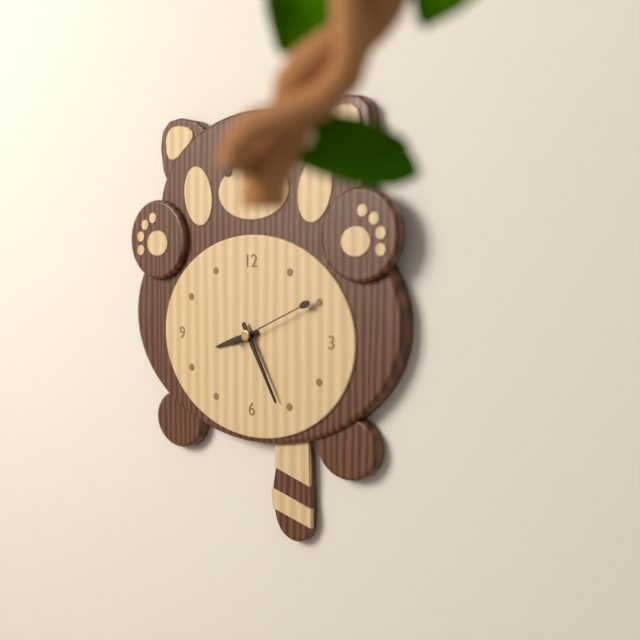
{"hour": 8, "minute": 25, "second": 11}
